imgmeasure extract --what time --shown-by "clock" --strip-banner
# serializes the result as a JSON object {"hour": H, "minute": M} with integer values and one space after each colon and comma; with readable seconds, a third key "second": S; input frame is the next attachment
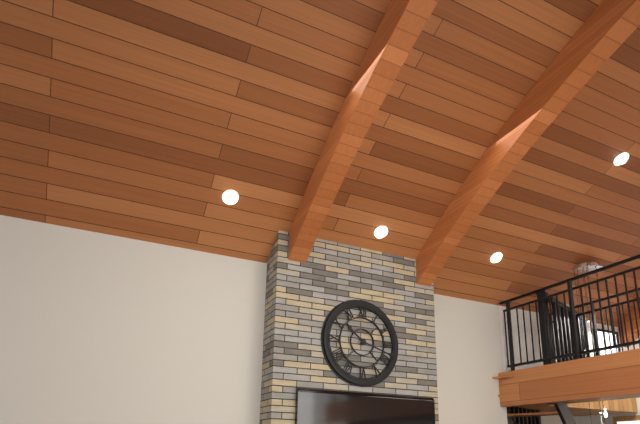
{"hour": 10, "minute": 18}
